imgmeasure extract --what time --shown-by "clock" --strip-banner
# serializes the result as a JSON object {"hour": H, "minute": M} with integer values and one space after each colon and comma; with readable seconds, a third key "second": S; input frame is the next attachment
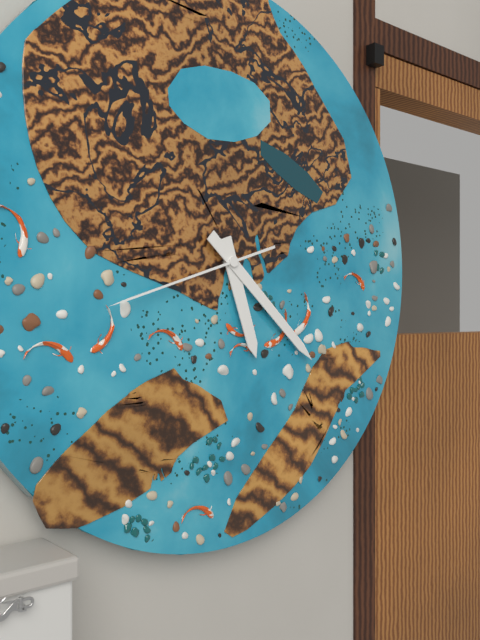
{"hour": 5, "minute": 22, "second": 42}
